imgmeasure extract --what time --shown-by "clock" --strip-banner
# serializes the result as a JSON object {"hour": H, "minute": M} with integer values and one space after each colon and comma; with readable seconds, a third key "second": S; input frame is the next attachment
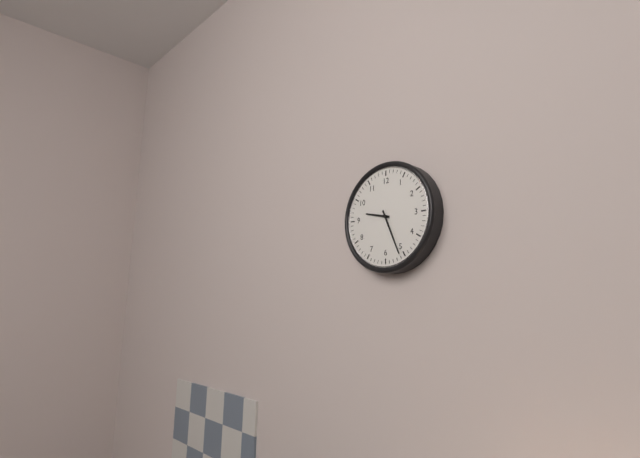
{"hour": 9, "minute": 26}
